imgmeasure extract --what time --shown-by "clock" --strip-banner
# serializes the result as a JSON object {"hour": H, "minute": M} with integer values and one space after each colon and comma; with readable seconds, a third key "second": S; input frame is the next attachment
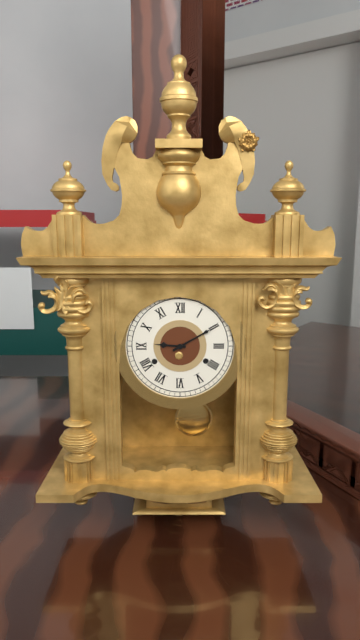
{"hour": 9, "minute": 10}
